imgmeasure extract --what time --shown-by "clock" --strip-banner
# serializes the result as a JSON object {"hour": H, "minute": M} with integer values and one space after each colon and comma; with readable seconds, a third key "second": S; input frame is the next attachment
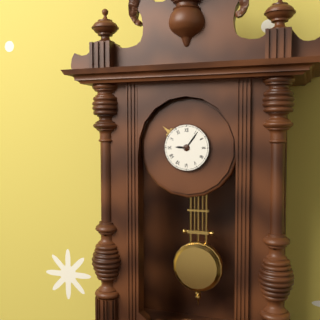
{"hour": 9, "minute": 6}
